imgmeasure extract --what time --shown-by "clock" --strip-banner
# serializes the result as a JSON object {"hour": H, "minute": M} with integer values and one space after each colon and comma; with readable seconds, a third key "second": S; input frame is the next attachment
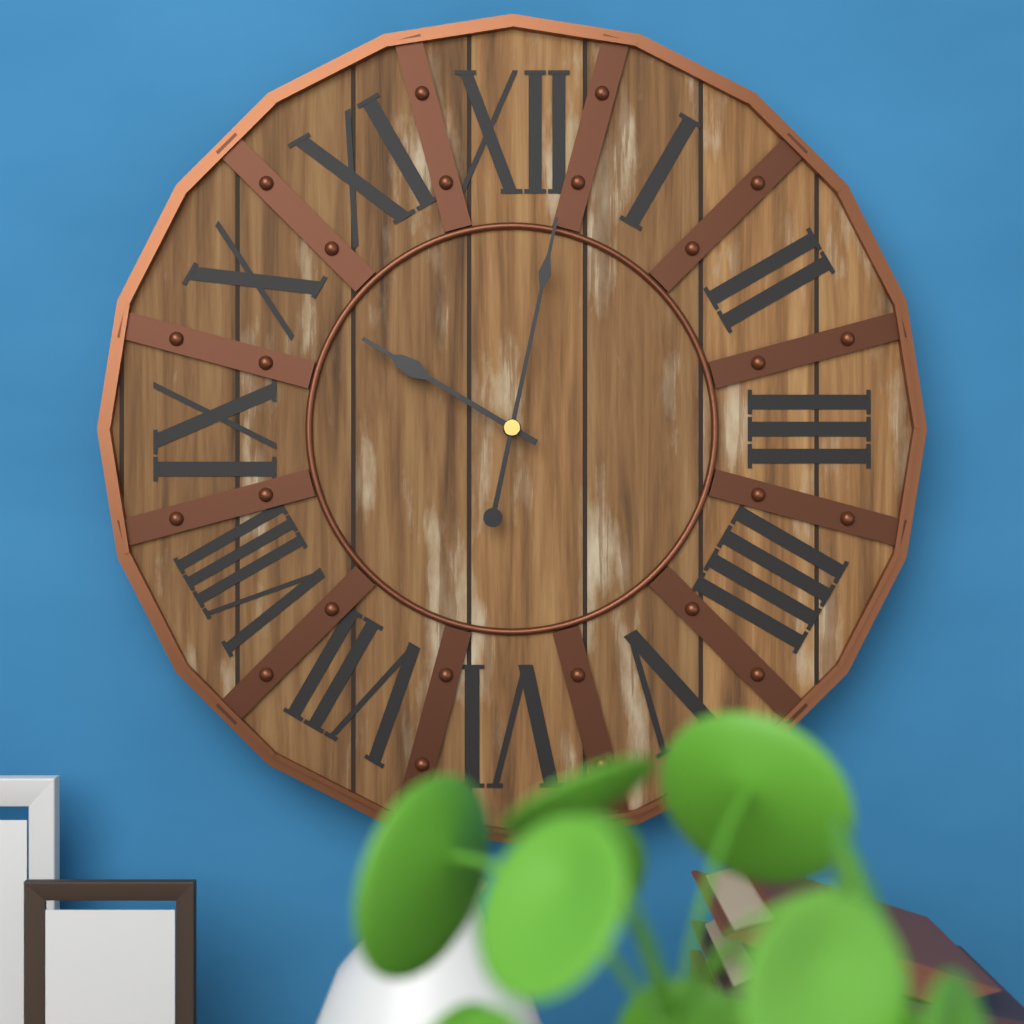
{"hour": 10, "minute": 2}
